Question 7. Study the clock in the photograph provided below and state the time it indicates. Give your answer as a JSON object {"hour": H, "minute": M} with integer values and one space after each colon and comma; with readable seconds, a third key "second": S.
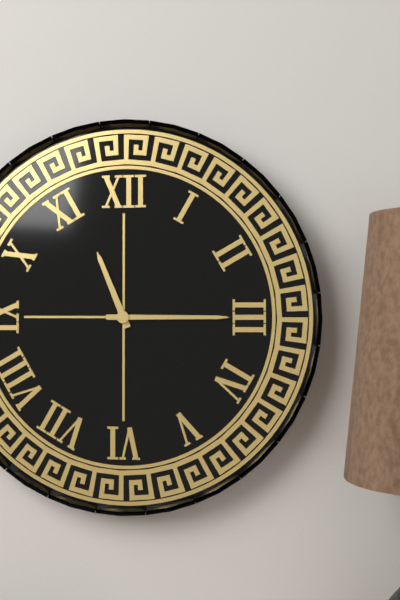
{"hour": 11, "minute": 15}
